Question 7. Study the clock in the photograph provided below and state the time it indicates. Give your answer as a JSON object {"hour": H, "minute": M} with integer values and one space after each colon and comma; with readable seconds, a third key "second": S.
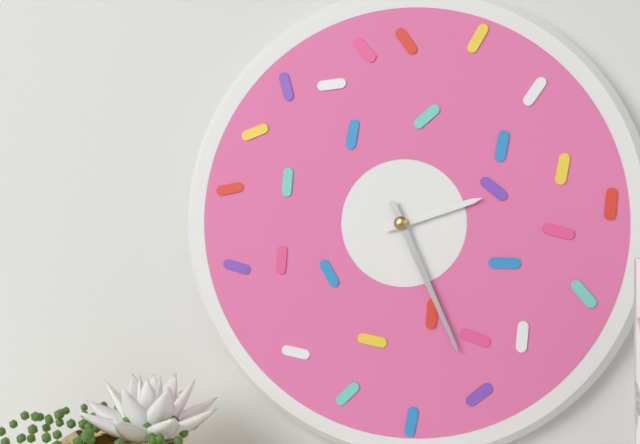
{"hour": 2, "minute": 26}
